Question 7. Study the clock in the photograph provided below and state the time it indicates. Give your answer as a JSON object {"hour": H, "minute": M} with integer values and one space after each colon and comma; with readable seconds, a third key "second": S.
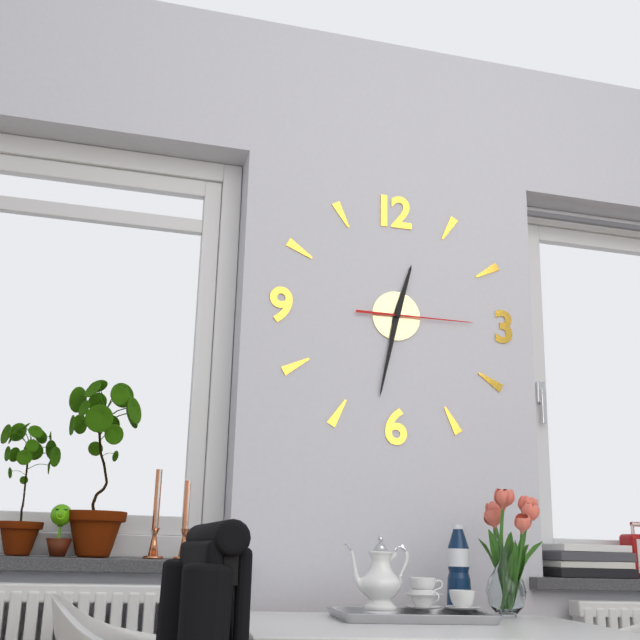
{"hour": 12, "minute": 32, "second": 15}
